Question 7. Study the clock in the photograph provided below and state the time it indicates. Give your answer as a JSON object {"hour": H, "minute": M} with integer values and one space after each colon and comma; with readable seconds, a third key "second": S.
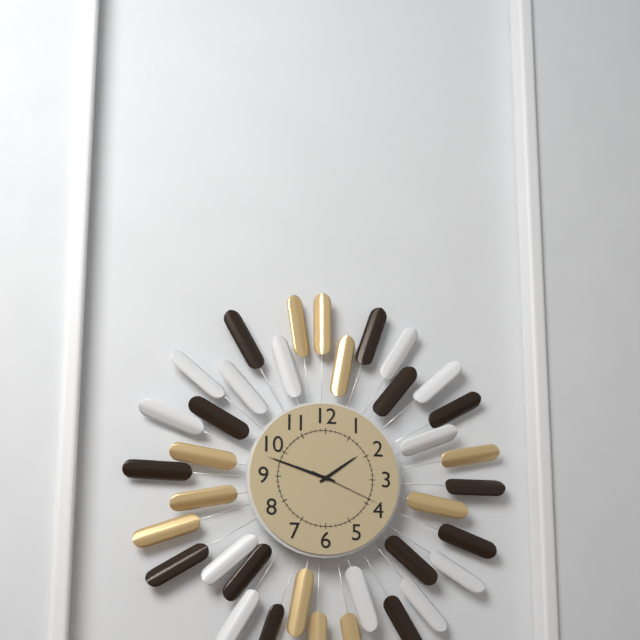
{"hour": 1, "minute": 48, "second": 19}
